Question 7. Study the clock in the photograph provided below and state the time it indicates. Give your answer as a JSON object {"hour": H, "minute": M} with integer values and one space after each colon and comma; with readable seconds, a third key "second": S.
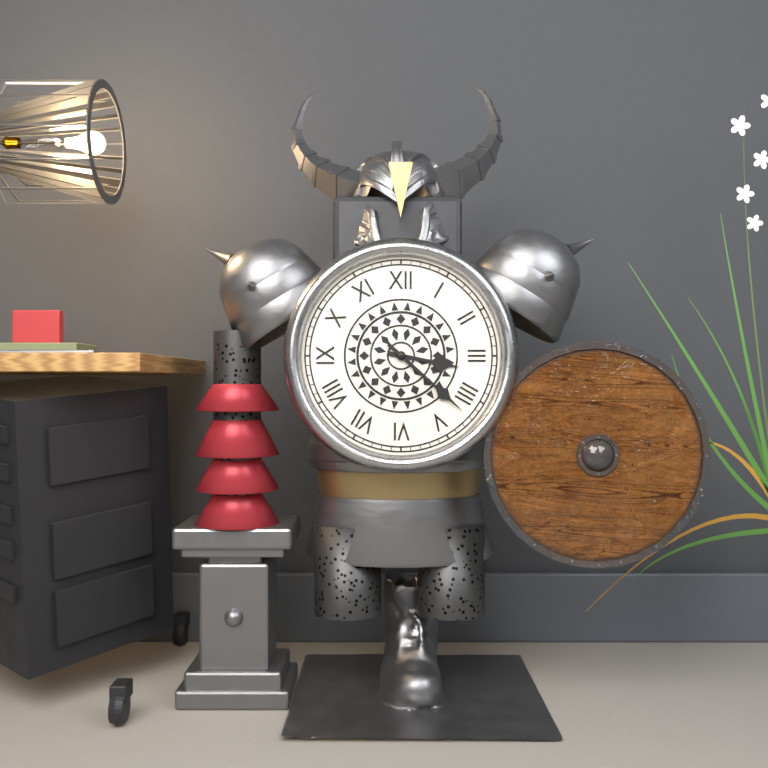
{"hour": 3, "minute": 22}
